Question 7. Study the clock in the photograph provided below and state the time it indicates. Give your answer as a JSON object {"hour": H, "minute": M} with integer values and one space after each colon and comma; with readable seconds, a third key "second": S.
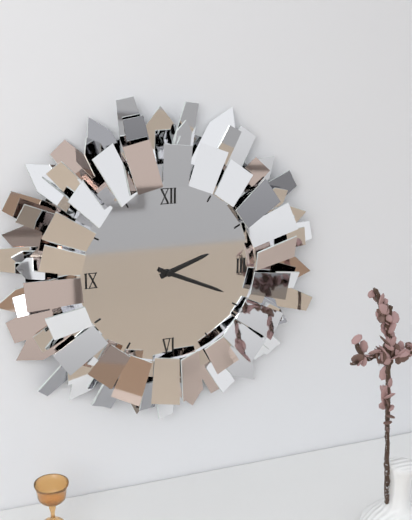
{"hour": 2, "minute": 19}
